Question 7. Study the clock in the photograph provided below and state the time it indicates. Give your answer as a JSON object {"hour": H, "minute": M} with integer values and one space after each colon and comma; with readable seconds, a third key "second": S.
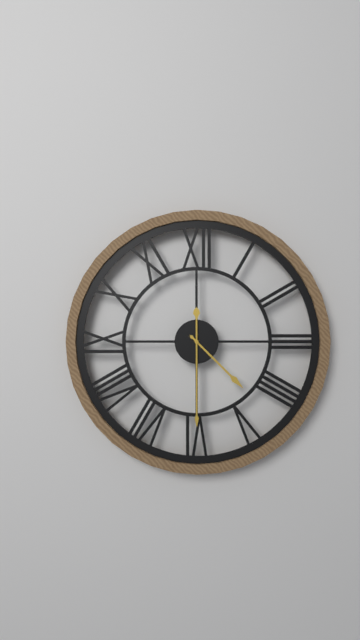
{"hour": 4, "minute": 30}
